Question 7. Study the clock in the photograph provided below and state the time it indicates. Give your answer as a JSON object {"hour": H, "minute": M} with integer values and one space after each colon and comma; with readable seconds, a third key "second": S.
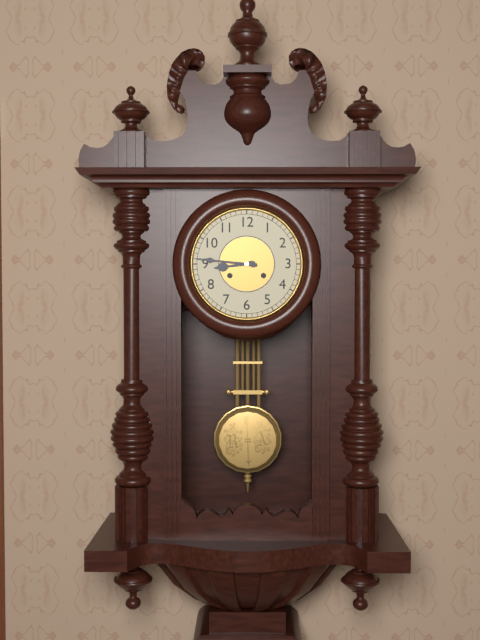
{"hour": 8, "minute": 46}
